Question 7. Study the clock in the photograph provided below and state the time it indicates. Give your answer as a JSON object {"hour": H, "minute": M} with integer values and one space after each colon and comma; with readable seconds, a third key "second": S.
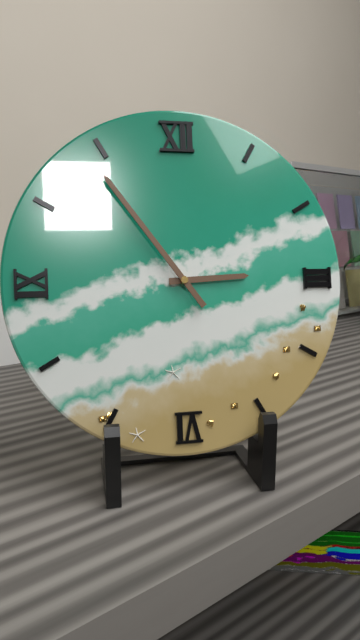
{"hour": 2, "minute": 54}
